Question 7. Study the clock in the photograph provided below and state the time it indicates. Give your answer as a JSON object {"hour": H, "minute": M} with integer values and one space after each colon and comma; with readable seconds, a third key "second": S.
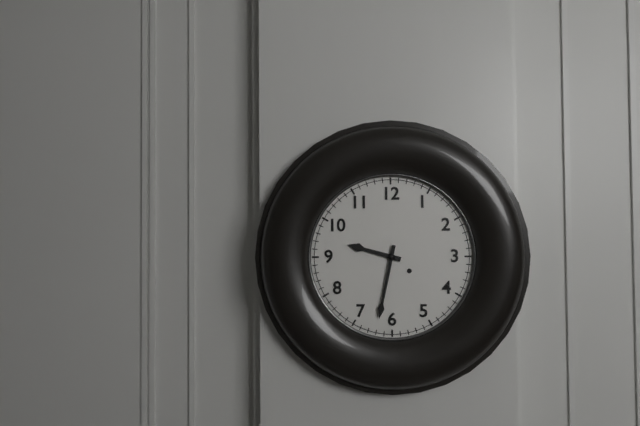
{"hour": 9, "minute": 32}
